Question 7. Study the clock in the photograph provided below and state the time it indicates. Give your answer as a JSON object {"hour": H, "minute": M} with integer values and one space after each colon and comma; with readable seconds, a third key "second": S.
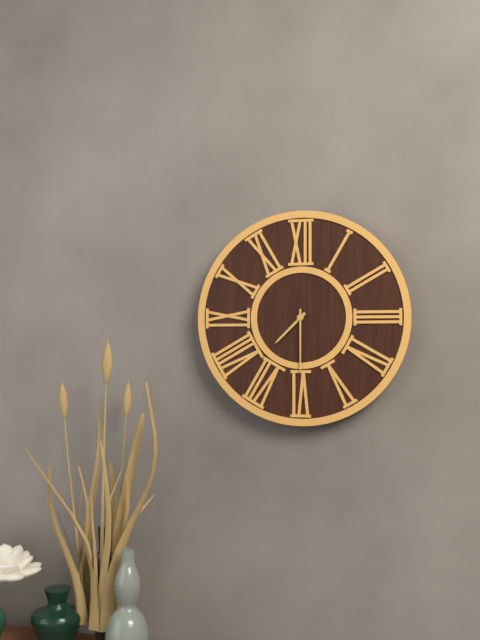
{"hour": 7, "minute": 30}
